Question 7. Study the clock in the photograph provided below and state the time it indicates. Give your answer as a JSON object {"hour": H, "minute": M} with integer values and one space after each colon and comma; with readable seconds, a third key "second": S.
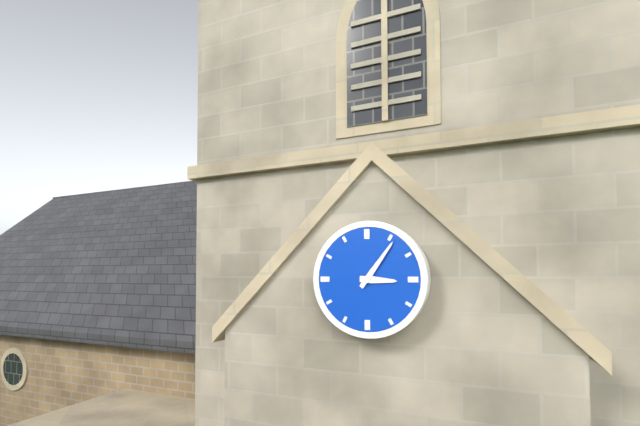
{"hour": 3, "minute": 6}
